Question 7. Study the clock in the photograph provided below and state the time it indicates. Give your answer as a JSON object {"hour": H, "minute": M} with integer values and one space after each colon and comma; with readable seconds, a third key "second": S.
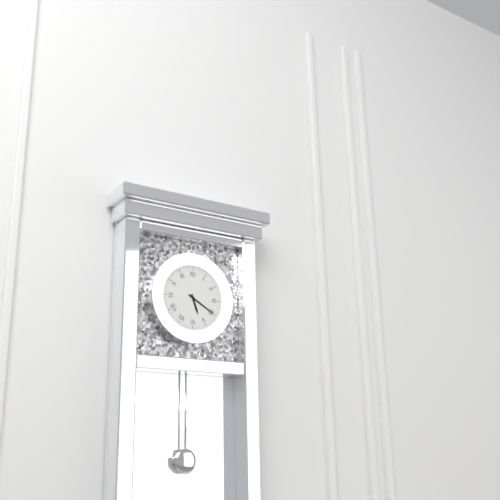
{"hour": 5, "minute": 20}
